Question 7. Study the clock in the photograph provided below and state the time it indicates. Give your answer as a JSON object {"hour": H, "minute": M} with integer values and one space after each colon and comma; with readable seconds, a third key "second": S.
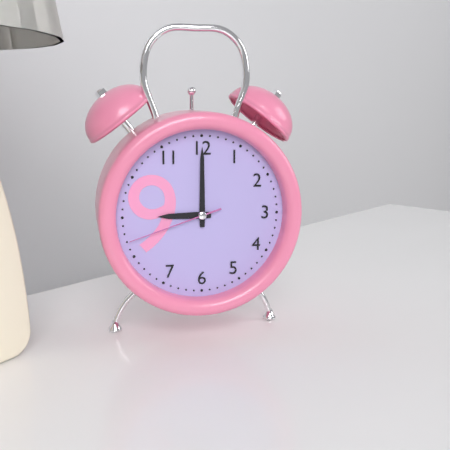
{"hour": 9, "minute": 0, "second": 42}
